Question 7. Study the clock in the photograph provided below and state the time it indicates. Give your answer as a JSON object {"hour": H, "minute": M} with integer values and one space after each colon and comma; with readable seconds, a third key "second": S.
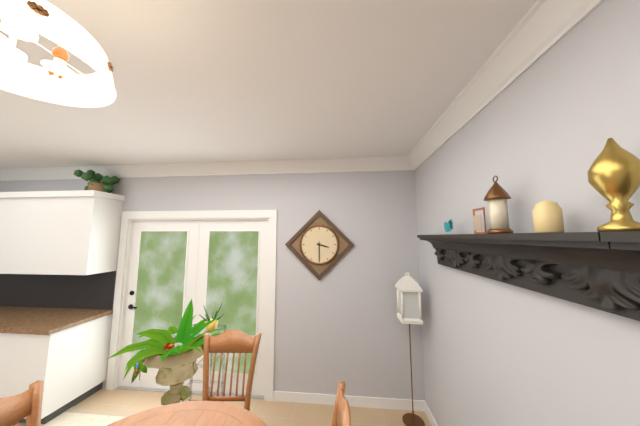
{"hour": 3, "minute": 30}
